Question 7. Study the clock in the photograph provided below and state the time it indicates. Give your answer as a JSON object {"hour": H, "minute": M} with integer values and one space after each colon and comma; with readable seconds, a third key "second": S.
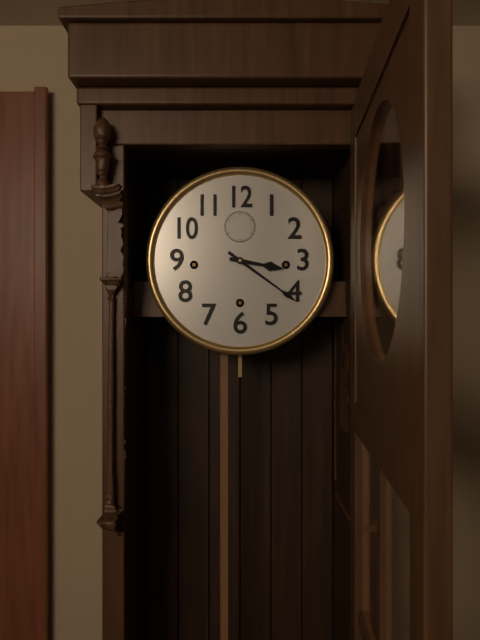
{"hour": 3, "minute": 21}
